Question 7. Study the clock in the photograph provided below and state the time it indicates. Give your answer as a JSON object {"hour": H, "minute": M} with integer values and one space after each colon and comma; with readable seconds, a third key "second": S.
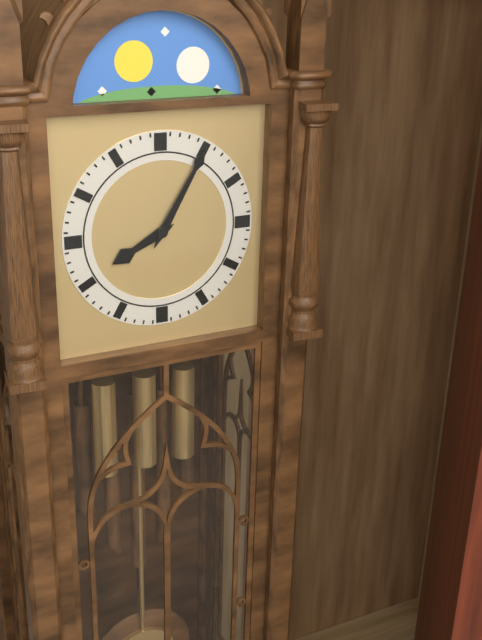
{"hour": 8, "minute": 5}
